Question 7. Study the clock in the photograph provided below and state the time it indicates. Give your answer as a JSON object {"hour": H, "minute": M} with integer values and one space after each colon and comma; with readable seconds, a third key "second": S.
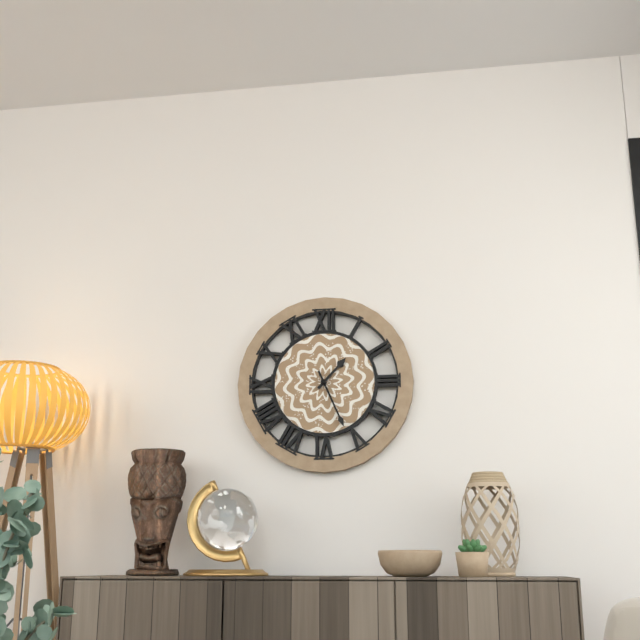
{"hour": 1, "minute": 26}
